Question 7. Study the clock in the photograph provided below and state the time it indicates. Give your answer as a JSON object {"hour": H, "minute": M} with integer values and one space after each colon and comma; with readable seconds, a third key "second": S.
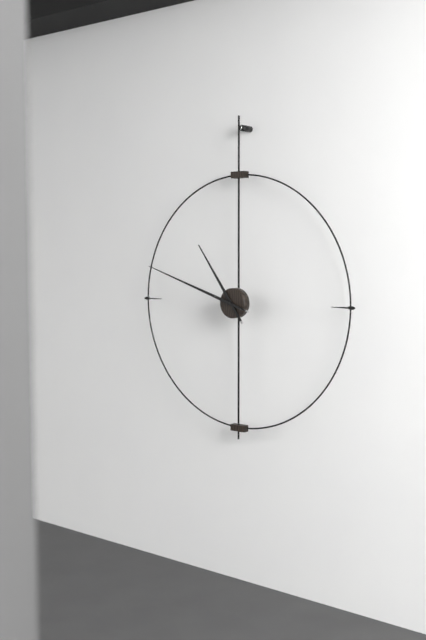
{"hour": 10, "minute": 48}
